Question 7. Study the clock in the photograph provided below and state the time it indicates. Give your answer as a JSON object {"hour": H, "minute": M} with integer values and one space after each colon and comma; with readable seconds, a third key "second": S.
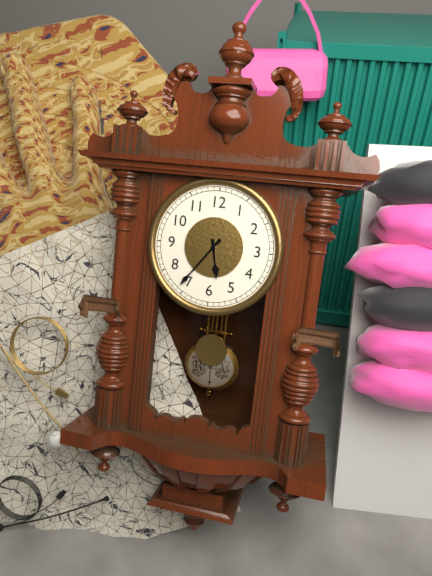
{"hour": 5, "minute": 36}
